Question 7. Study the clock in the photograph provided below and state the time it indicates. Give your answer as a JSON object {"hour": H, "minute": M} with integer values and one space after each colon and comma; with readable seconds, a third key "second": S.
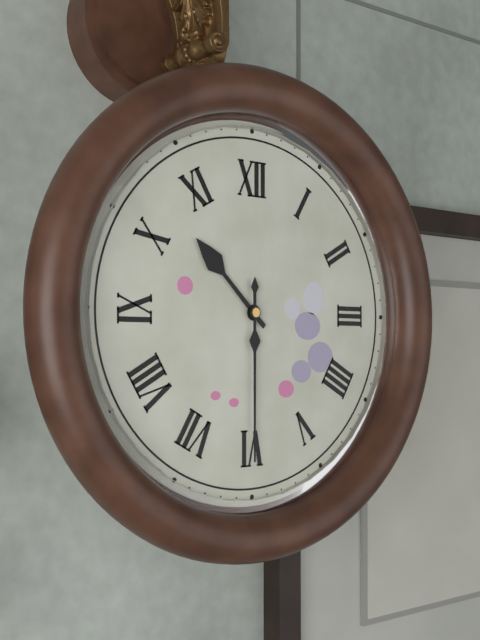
{"hour": 10, "minute": 30}
